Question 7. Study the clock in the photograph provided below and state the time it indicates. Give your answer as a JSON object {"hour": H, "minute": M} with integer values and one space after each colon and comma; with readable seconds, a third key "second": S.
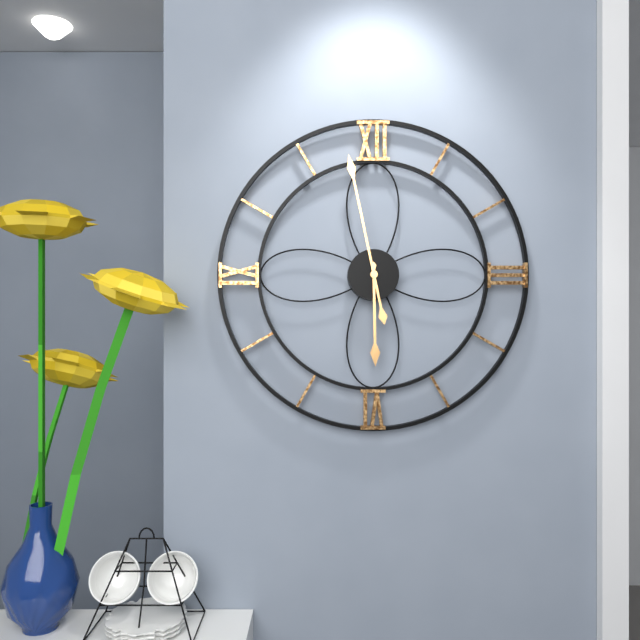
{"hour": 5, "minute": 58}
